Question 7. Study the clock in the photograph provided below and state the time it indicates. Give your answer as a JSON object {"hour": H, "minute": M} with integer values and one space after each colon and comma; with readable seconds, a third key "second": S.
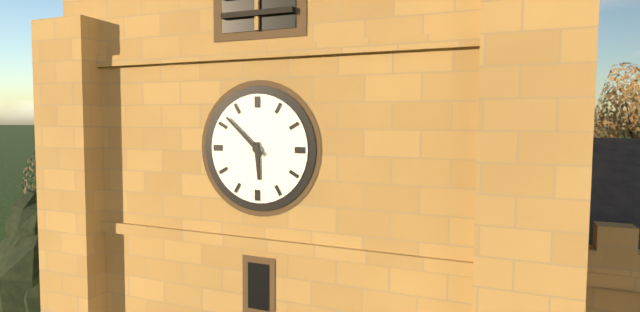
{"hour": 5, "minute": 52}
